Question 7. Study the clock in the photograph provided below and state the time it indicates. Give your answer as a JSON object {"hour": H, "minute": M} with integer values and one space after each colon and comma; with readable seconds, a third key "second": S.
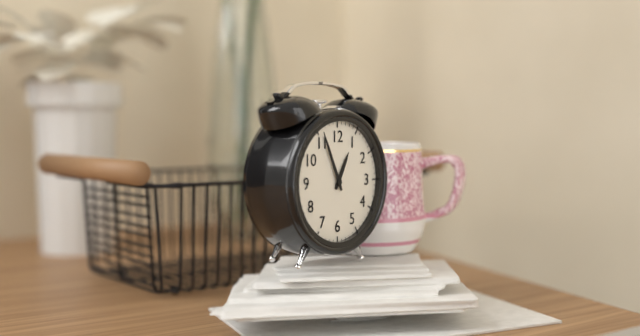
{"hour": 12, "minute": 56}
